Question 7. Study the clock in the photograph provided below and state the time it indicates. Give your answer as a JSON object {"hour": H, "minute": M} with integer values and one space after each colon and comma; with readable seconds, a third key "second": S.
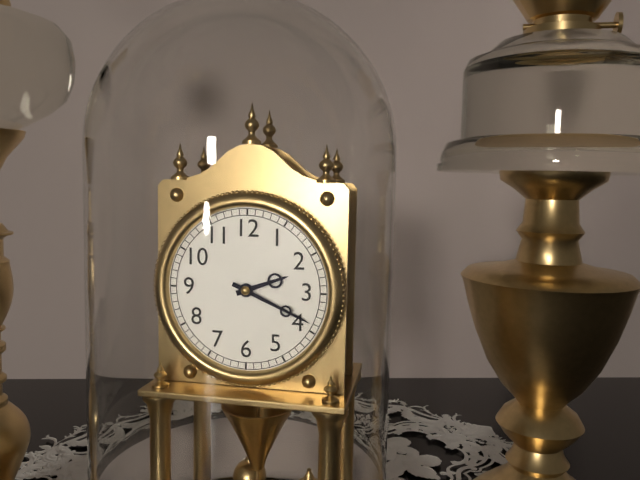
{"hour": 2, "minute": 19}
